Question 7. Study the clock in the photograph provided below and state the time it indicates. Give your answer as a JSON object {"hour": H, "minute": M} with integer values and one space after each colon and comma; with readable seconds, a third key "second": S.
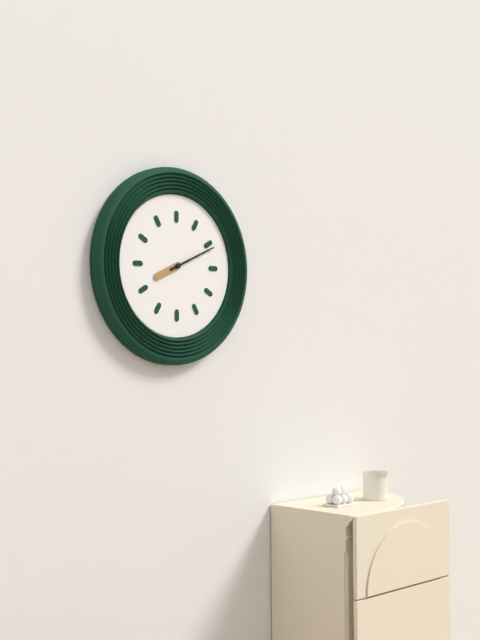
{"hour": 8, "minute": 11}
